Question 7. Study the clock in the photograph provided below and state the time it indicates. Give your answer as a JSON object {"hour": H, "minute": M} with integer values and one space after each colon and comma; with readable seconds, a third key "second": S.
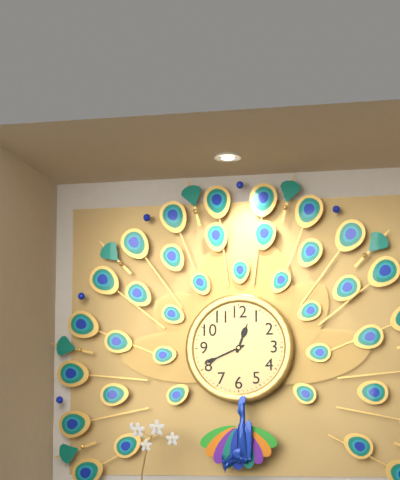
{"hour": 12, "minute": 41}
